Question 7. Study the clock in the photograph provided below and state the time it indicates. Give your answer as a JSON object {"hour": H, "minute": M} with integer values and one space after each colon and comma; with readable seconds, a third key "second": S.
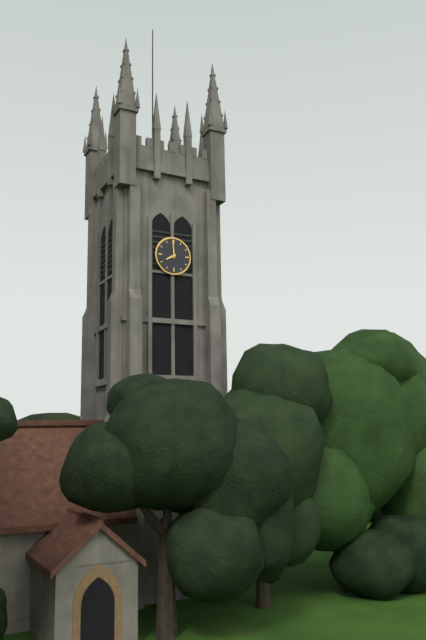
{"hour": 7, "minute": 59}
